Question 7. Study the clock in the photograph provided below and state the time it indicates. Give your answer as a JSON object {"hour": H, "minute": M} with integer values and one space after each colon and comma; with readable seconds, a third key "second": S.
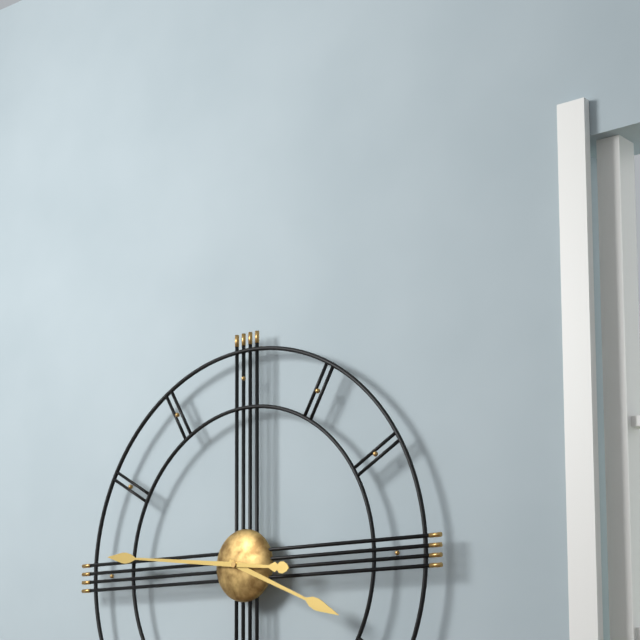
{"hour": 3, "minute": 46}
